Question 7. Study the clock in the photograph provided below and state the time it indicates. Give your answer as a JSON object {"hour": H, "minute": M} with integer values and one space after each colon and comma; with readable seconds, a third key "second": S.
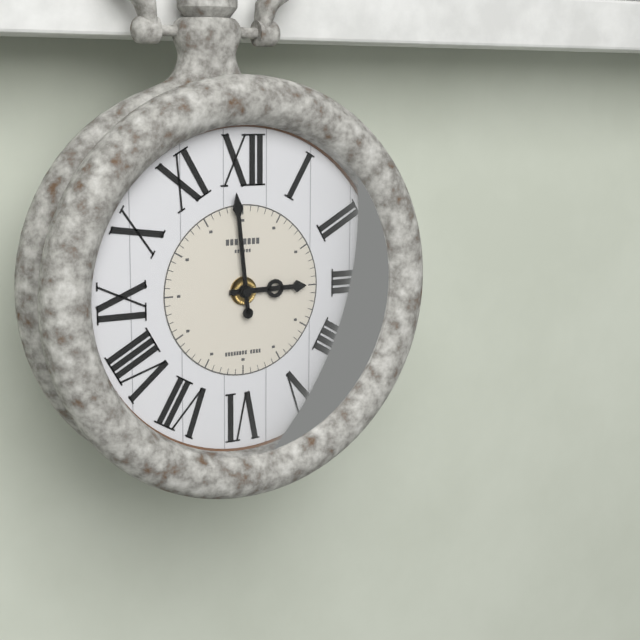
{"hour": 2, "minute": 59}
